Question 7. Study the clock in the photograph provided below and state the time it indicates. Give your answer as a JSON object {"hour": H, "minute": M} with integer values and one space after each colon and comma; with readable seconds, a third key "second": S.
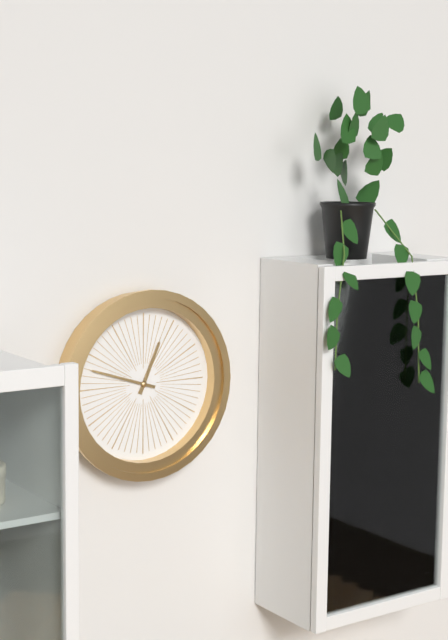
{"hour": 12, "minute": 48}
